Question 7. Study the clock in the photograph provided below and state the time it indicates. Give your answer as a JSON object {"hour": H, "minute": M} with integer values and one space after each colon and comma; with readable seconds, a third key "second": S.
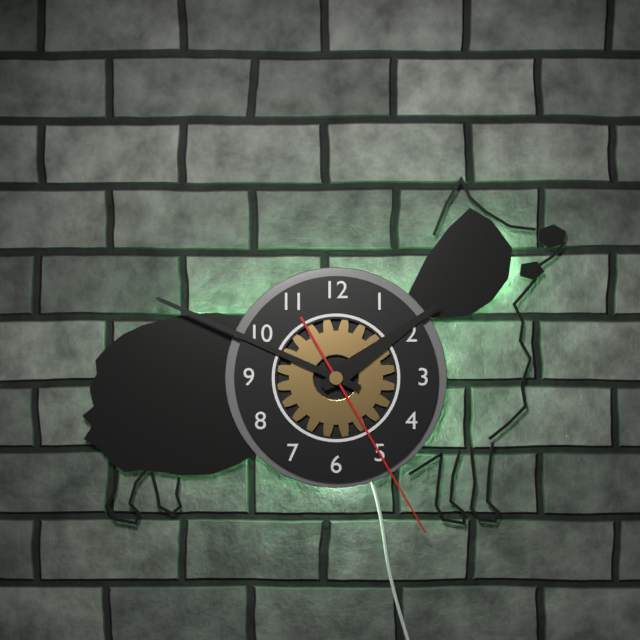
{"hour": 1, "minute": 49, "second": 25}
